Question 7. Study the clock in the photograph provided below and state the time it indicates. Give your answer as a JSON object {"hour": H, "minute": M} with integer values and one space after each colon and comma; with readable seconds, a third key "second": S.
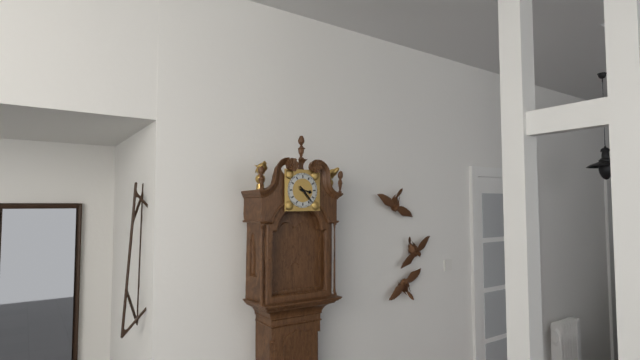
{"hour": 3, "minute": 23}
